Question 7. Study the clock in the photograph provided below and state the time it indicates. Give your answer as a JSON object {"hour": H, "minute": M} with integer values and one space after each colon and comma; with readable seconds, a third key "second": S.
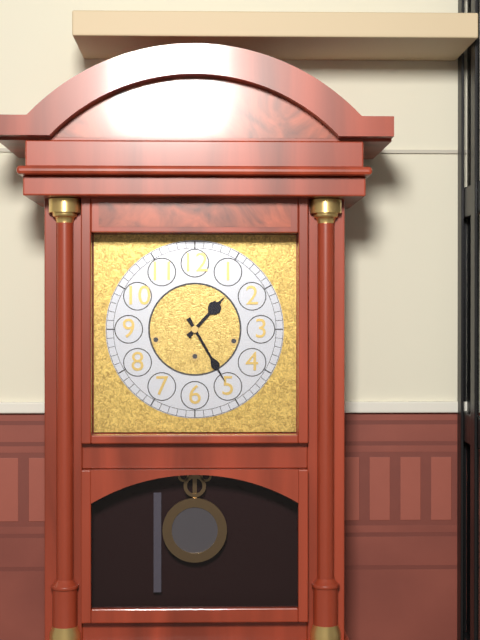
{"hour": 1, "minute": 25}
